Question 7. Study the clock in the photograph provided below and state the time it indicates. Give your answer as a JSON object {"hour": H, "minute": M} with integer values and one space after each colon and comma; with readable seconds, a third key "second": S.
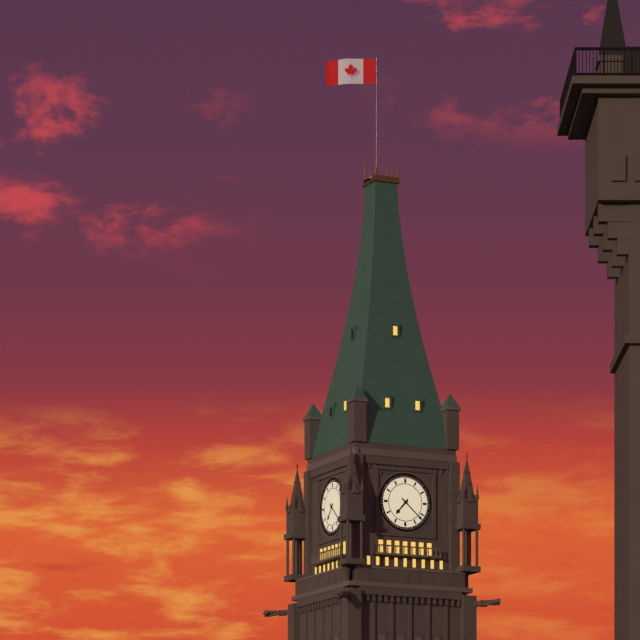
{"hour": 7, "minute": 22}
